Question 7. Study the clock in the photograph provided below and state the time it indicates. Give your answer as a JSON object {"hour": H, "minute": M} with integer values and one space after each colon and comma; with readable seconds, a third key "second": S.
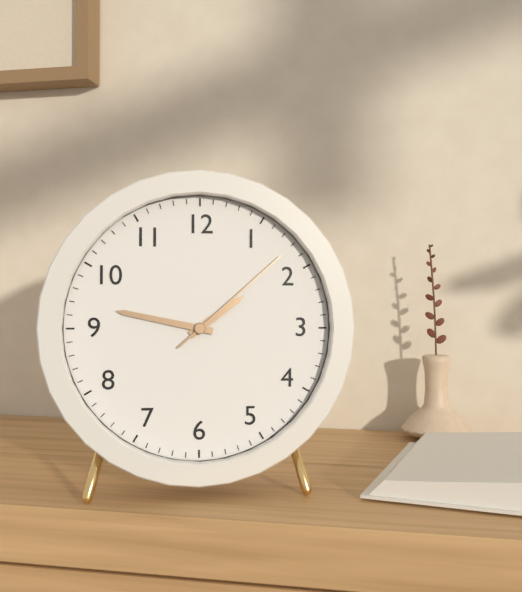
{"hour": 1, "minute": 47, "second": 8}
